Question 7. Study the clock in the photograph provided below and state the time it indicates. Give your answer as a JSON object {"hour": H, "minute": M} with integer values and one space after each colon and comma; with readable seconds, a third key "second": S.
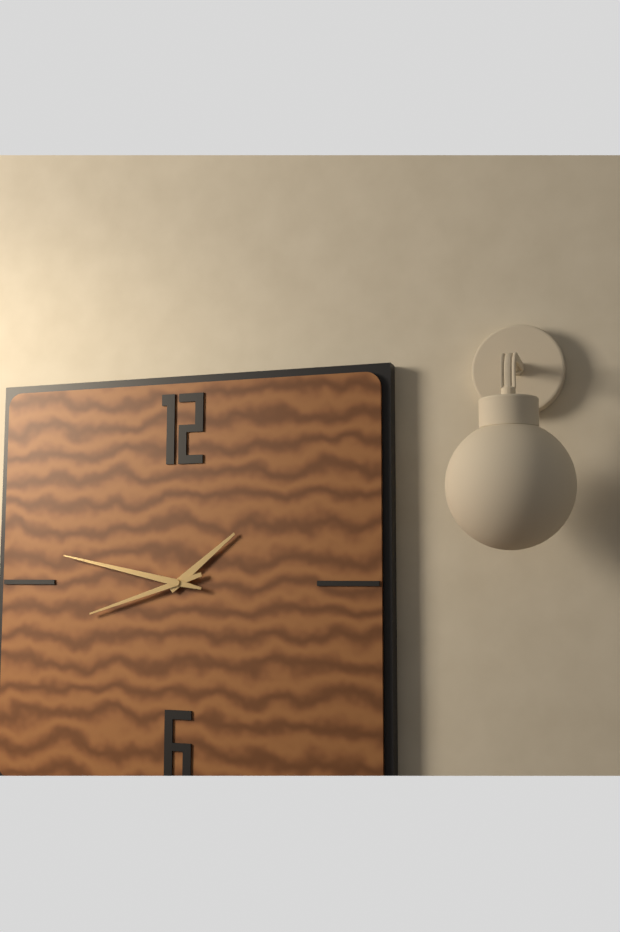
{"hour": 1, "minute": 42, "second": 47}
